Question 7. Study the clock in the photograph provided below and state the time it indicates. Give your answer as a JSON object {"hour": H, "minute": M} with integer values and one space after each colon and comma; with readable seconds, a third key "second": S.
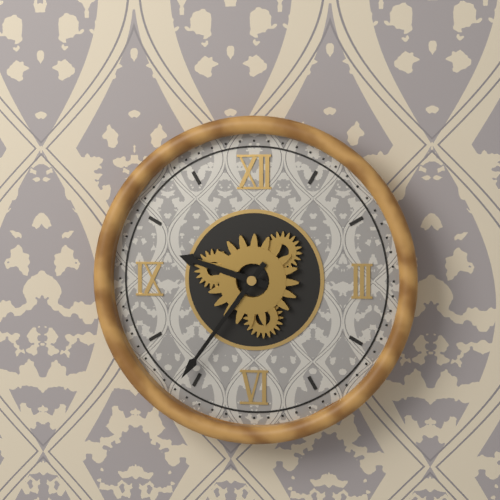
{"hour": 9, "minute": 36}
